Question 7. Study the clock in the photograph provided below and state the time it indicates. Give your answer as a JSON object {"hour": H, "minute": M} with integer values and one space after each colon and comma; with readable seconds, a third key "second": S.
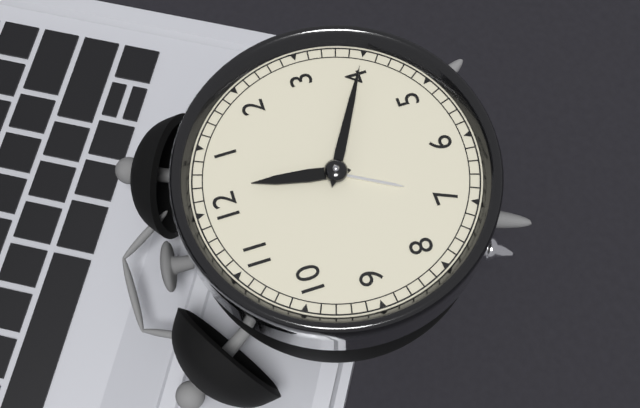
{"hour": 12, "minute": 20}
